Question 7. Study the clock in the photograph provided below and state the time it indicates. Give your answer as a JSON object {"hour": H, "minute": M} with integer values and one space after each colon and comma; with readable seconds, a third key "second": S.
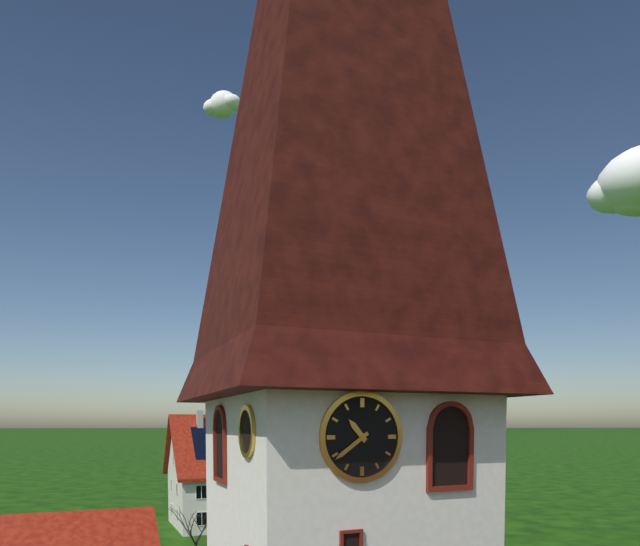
{"hour": 10, "minute": 39}
